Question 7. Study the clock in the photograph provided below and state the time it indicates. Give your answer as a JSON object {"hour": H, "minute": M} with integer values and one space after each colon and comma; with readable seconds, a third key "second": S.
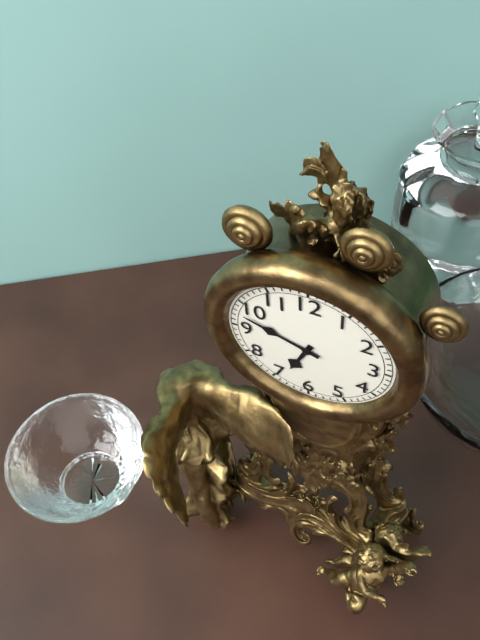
{"hour": 6, "minute": 48}
